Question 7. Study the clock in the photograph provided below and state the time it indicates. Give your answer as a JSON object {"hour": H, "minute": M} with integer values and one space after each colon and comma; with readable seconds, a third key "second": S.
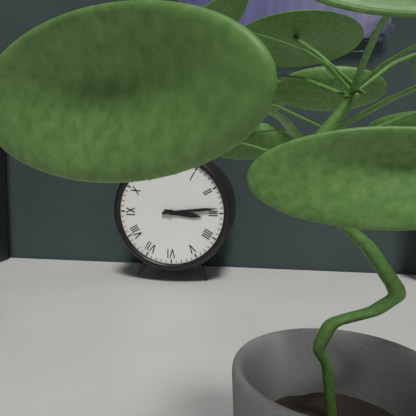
{"hour": 3, "minute": 14}
